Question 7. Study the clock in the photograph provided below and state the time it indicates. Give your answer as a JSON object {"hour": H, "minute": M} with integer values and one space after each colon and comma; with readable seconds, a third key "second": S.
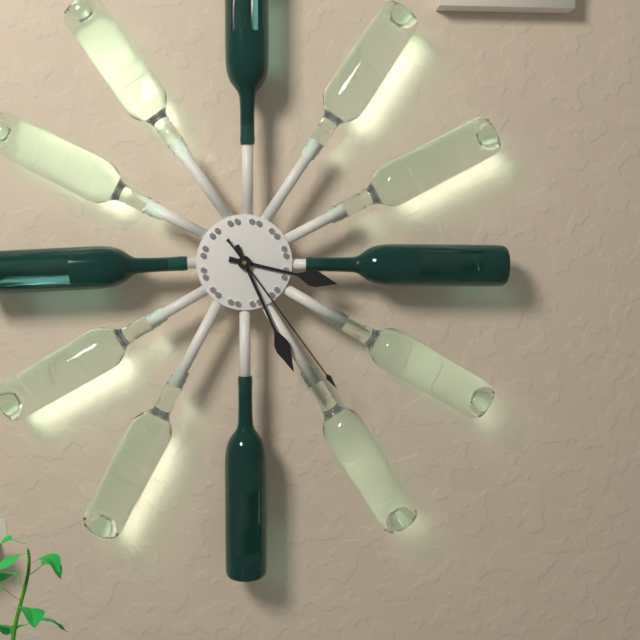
{"hour": 3, "minute": 26, "second": 24}
